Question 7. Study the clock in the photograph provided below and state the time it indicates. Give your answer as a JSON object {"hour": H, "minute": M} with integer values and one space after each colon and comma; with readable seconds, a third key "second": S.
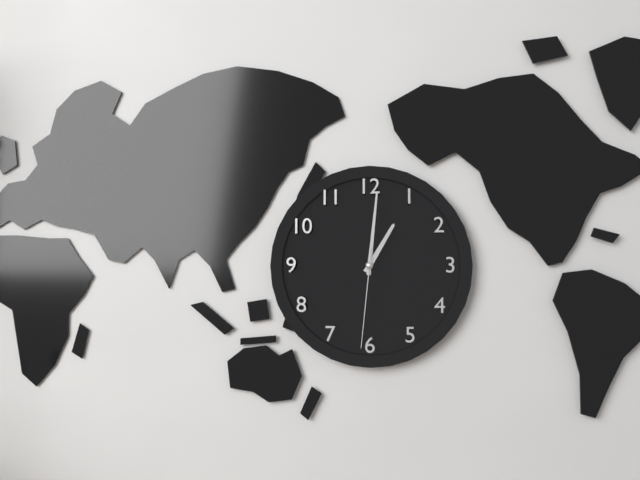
{"hour": 1, "minute": 1, "second": 31}
